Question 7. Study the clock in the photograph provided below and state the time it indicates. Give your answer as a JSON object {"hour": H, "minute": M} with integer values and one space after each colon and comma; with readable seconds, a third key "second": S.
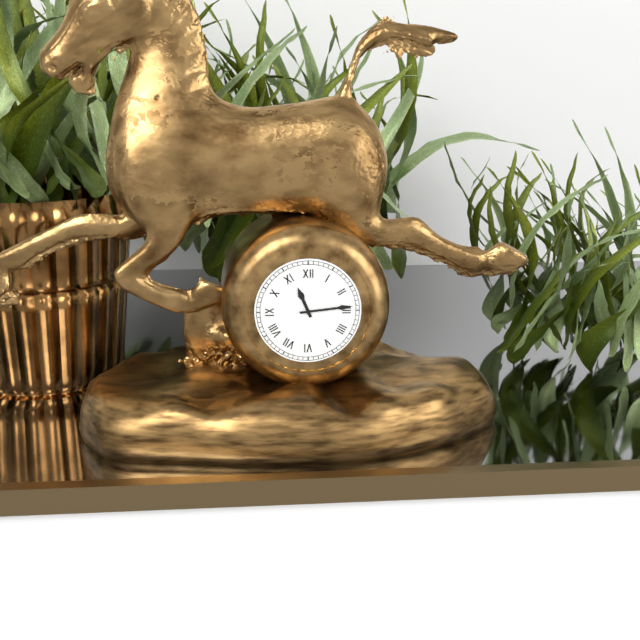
{"hour": 11, "minute": 14}
